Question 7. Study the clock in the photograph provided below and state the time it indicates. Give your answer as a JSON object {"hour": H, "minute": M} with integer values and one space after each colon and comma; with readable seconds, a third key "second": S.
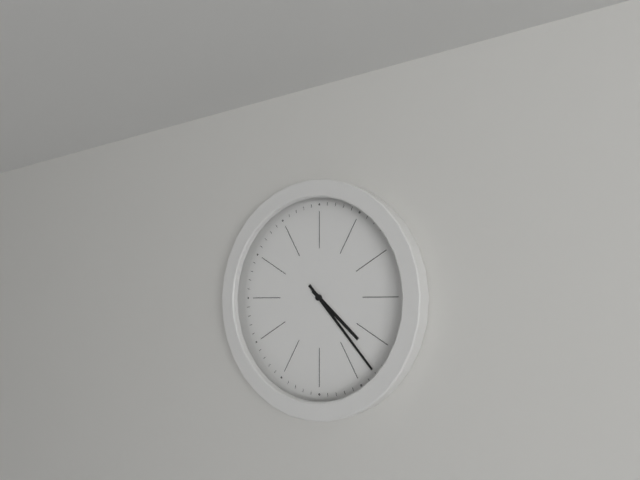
{"hour": 4, "minute": 23}
